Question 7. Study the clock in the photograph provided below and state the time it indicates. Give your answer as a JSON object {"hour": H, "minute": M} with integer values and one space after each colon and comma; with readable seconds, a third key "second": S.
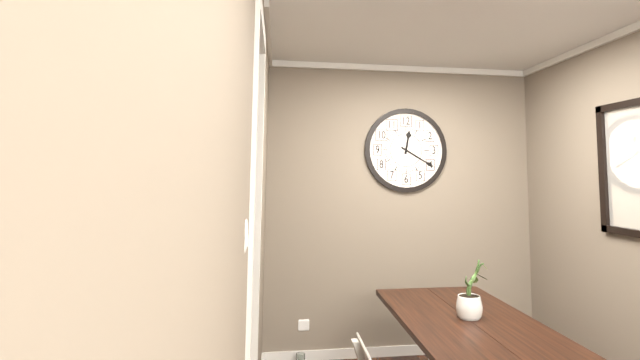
{"hour": 12, "minute": 20}
